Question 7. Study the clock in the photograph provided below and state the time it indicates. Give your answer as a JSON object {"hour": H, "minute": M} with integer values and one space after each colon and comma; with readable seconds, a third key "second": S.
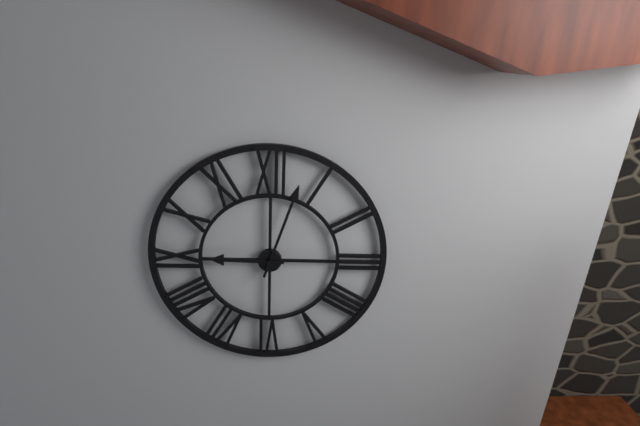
{"hour": 9, "minute": 3}
